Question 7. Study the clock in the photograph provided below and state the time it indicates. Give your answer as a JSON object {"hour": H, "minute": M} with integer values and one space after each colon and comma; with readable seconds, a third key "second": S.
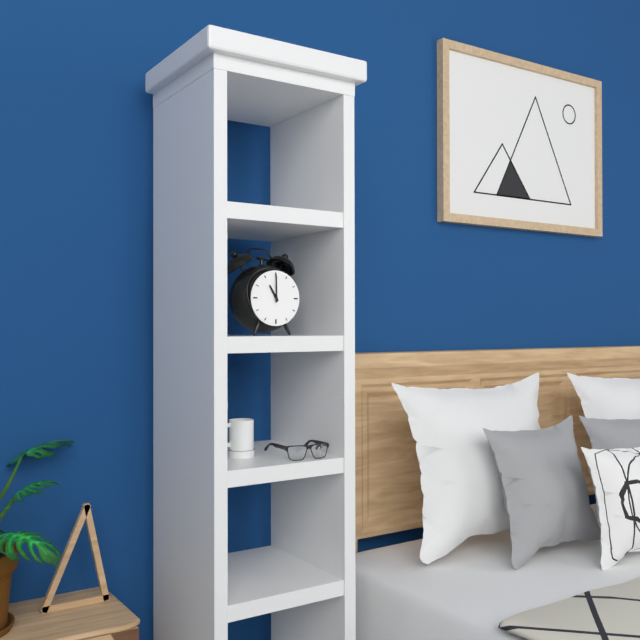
{"hour": 11, "minute": 0}
